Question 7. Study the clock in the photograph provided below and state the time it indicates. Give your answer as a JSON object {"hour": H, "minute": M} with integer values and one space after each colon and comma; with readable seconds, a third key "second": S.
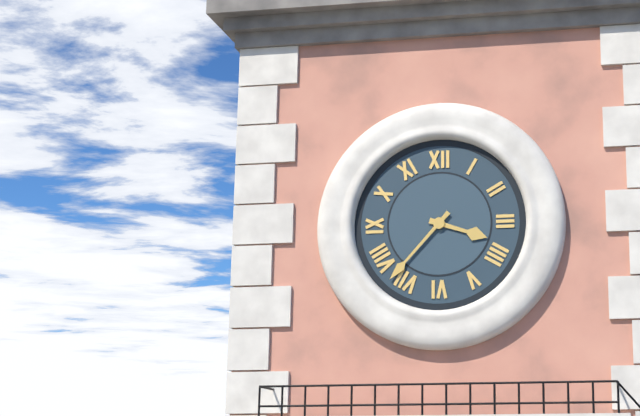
{"hour": 3, "minute": 37}
